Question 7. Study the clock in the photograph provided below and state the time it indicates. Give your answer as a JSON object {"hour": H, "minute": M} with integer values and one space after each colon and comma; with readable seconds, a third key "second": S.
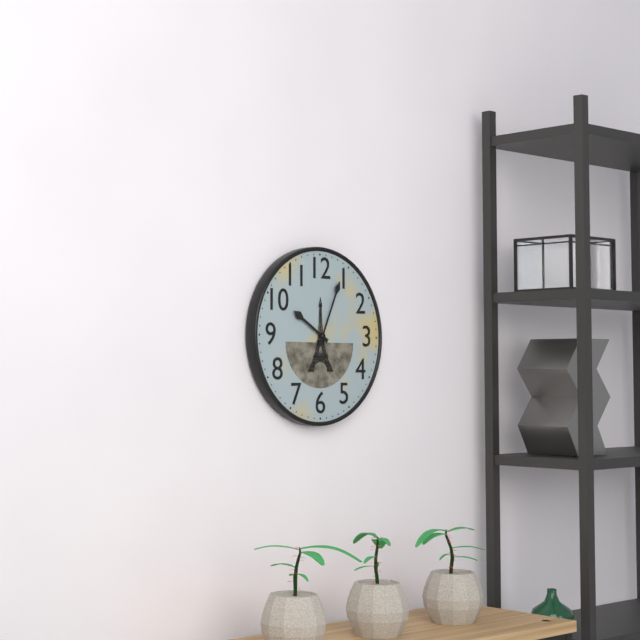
{"hour": 10, "minute": 4}
